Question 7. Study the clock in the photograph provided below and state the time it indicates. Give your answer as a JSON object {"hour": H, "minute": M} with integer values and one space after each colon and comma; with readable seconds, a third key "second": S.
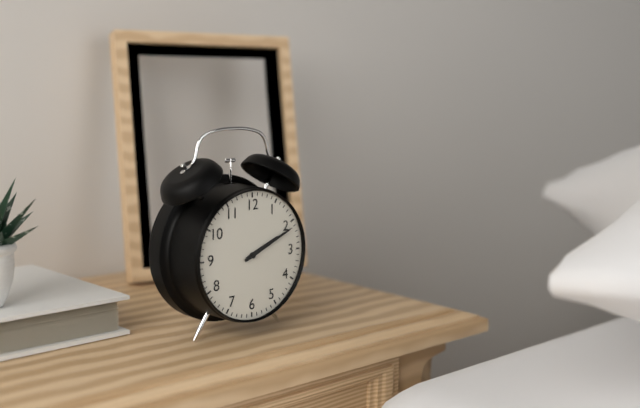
{"hour": 2, "minute": 11}
